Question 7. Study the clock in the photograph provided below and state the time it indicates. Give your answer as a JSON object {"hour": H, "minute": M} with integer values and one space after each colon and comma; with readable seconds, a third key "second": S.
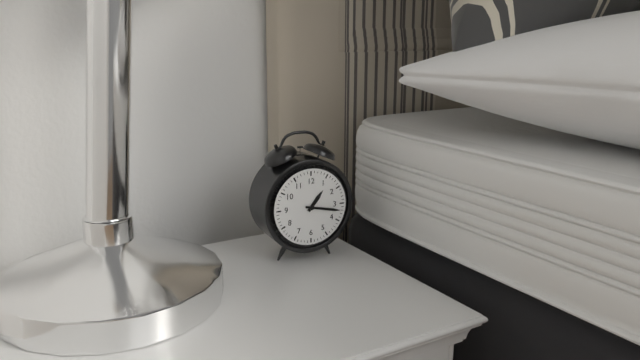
{"hour": 1, "minute": 17}
